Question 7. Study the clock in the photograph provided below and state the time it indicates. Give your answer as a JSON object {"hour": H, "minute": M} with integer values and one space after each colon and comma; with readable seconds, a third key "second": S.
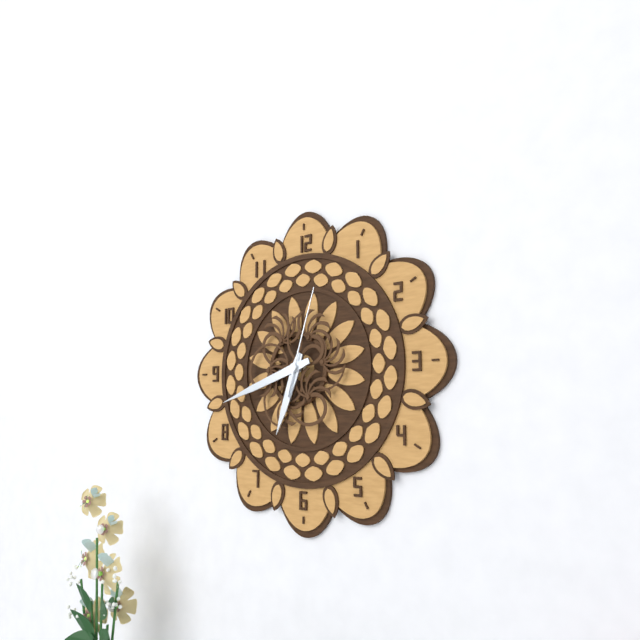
{"hour": 6, "minute": 42, "second": 3}
